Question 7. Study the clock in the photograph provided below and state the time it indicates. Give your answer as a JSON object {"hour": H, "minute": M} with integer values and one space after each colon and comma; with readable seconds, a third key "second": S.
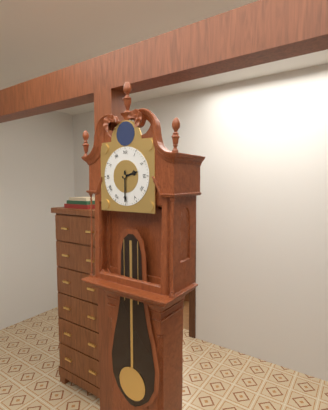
{"hour": 2, "minute": 30}
